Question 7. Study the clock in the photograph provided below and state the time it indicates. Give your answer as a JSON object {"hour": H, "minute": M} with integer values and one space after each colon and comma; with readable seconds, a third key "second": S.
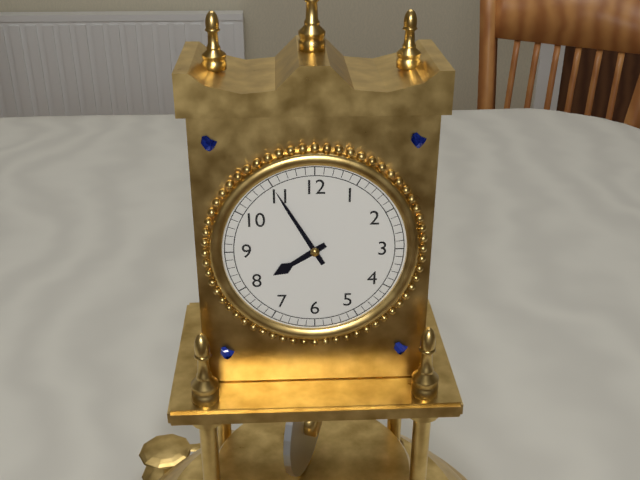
{"hour": 7, "minute": 55}
